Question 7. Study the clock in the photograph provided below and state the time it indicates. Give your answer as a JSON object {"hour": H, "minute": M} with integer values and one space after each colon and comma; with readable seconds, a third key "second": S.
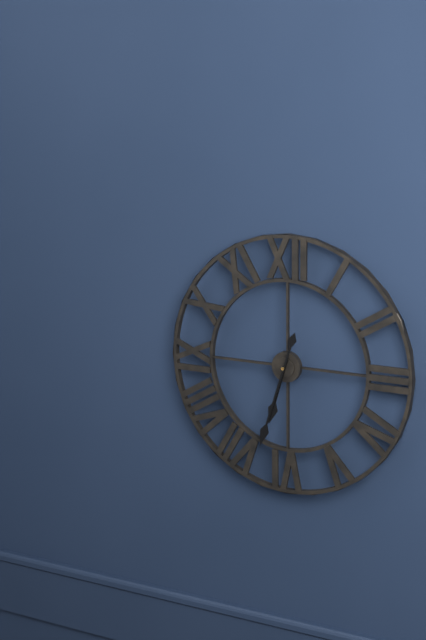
{"hour": 6, "minute": 33}
